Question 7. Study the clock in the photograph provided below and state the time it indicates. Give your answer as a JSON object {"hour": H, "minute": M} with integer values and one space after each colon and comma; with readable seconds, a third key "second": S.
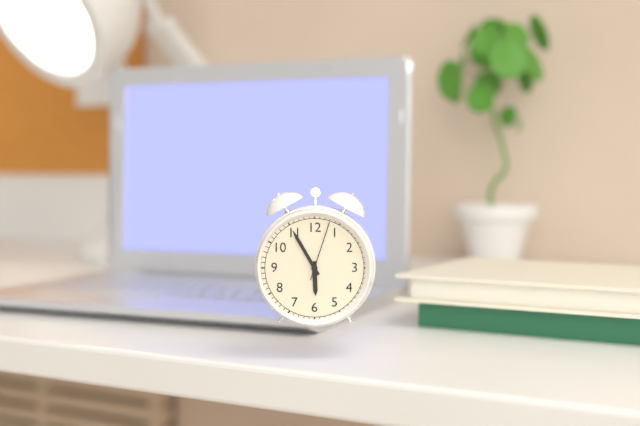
{"hour": 5, "minute": 55, "second": 3}
